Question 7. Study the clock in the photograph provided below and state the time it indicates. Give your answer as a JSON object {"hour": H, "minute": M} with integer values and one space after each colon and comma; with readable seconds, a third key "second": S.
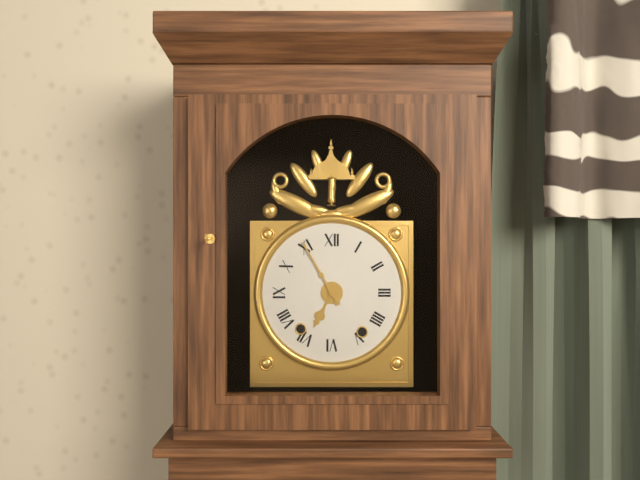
{"hour": 6, "minute": 55}
